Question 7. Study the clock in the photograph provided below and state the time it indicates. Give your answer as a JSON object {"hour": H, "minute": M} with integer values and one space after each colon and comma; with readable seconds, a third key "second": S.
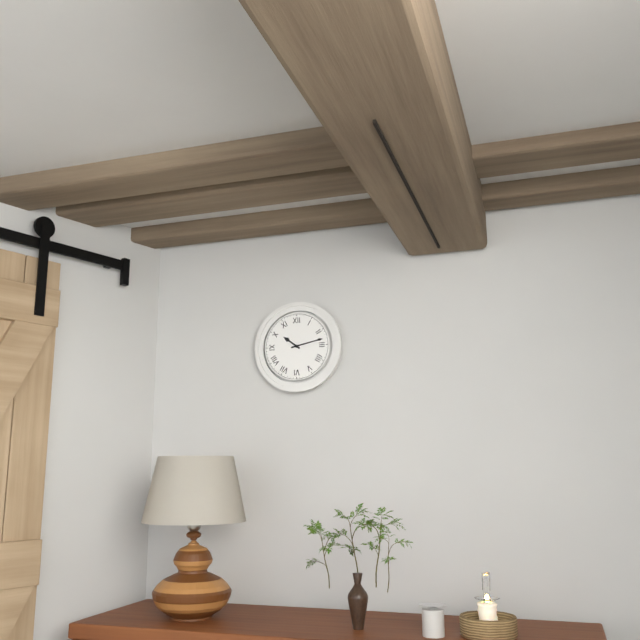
{"hour": 10, "minute": 13}
